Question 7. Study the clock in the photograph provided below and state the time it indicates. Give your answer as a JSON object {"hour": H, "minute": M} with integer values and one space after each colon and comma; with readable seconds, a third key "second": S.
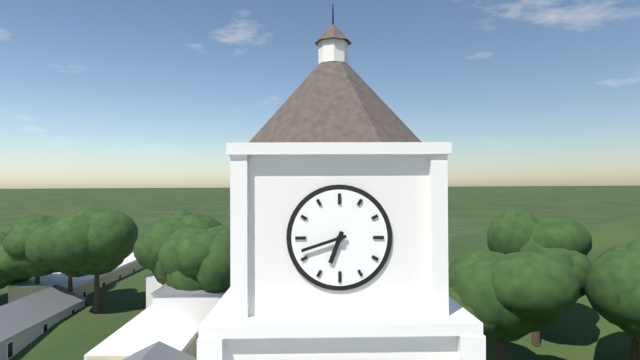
{"hour": 6, "minute": 42}
